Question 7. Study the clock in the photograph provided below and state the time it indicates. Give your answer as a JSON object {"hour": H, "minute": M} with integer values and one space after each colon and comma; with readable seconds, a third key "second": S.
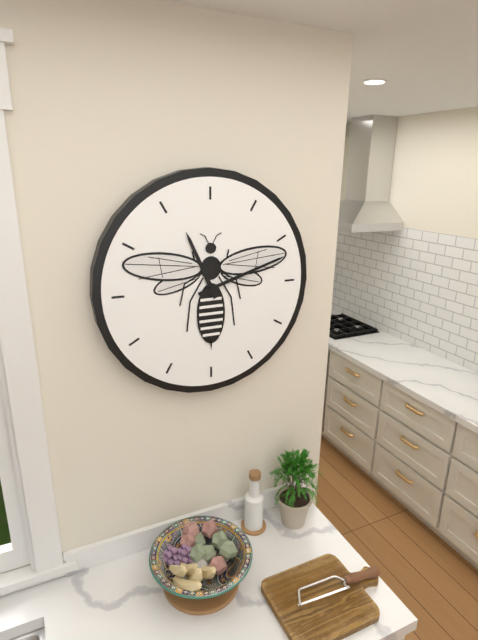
{"hour": 11, "minute": 12}
